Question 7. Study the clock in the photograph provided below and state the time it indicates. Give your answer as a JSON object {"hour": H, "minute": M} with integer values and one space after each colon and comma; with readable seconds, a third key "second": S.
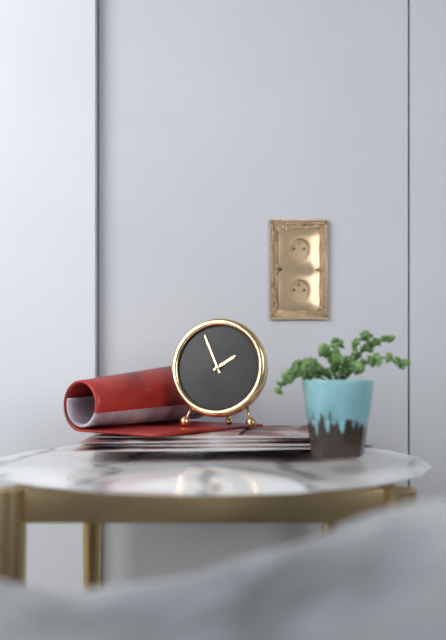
{"hour": 1, "minute": 56}
